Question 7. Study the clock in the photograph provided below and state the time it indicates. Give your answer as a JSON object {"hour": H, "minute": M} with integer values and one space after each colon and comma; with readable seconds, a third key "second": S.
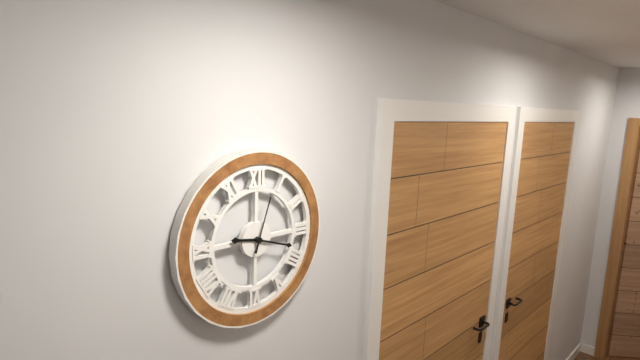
{"hour": 9, "minute": 18, "second": 3}
